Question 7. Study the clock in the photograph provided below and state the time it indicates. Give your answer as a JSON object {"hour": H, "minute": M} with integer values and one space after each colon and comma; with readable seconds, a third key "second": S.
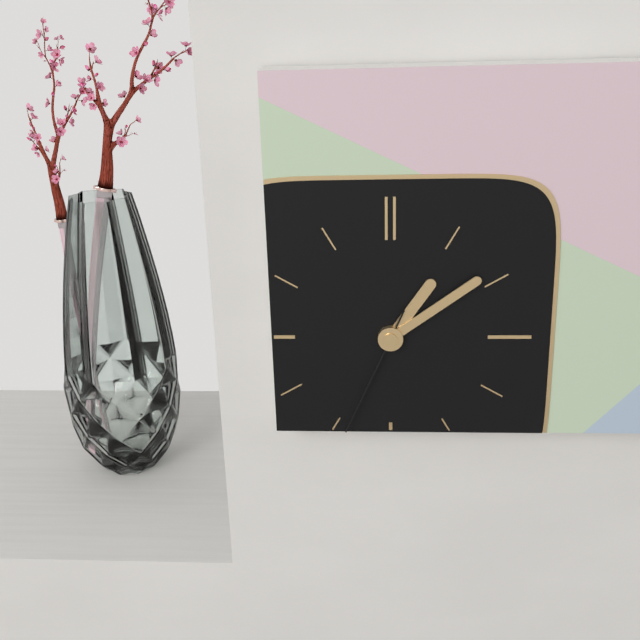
{"hour": 1, "minute": 9, "second": 34}
